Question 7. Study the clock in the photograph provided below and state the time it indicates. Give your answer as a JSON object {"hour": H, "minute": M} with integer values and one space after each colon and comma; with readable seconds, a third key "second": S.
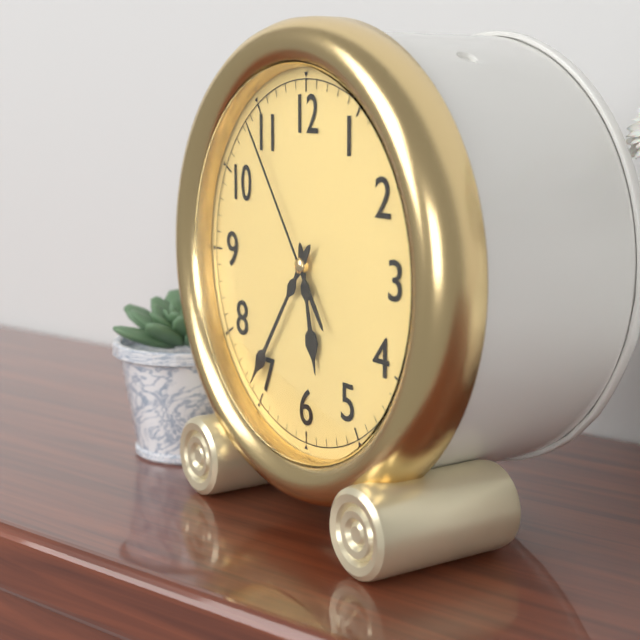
{"hour": 5, "minute": 36, "second": 54}
